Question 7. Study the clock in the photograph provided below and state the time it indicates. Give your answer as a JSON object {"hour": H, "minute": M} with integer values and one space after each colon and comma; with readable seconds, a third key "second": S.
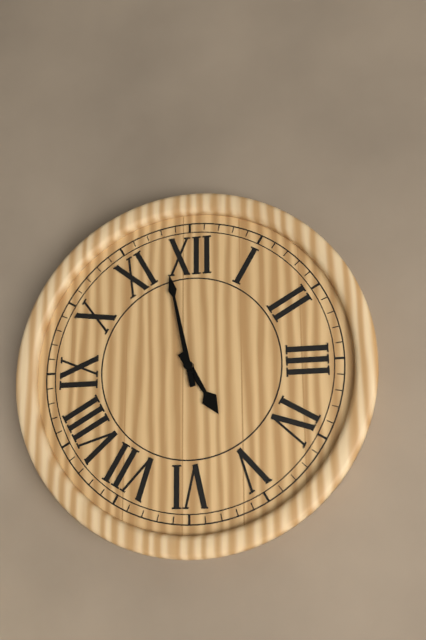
{"hour": 4, "minute": 58}
